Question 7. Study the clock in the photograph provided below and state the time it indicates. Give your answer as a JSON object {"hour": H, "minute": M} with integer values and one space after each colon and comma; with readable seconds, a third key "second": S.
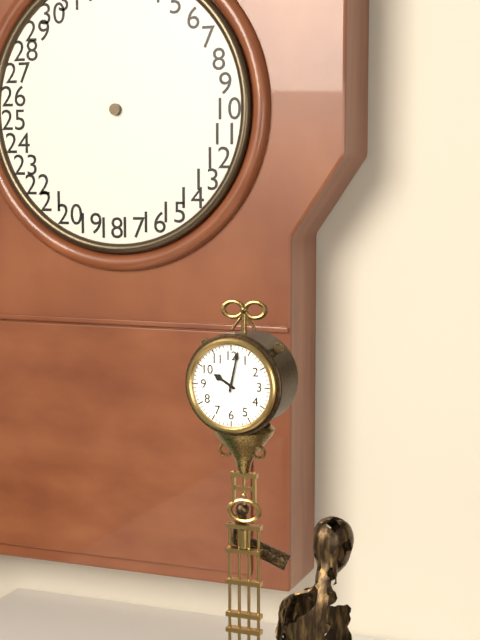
{"hour": 10, "minute": 2}
